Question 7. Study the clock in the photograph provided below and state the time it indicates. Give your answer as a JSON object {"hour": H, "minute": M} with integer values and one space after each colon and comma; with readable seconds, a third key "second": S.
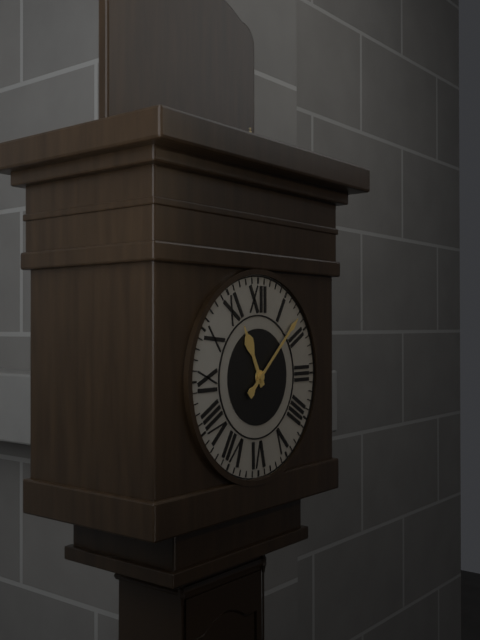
{"hour": 11, "minute": 8}
